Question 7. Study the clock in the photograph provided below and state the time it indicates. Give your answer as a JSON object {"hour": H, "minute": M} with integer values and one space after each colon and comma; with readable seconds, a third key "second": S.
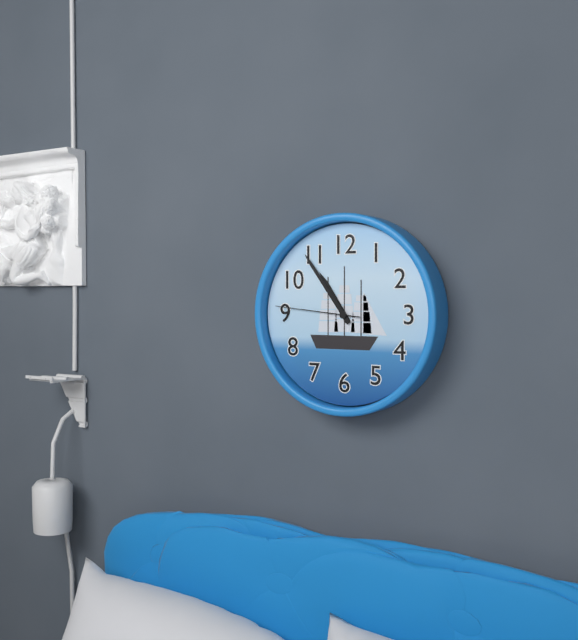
{"hour": 10, "minute": 54, "second": 46}
